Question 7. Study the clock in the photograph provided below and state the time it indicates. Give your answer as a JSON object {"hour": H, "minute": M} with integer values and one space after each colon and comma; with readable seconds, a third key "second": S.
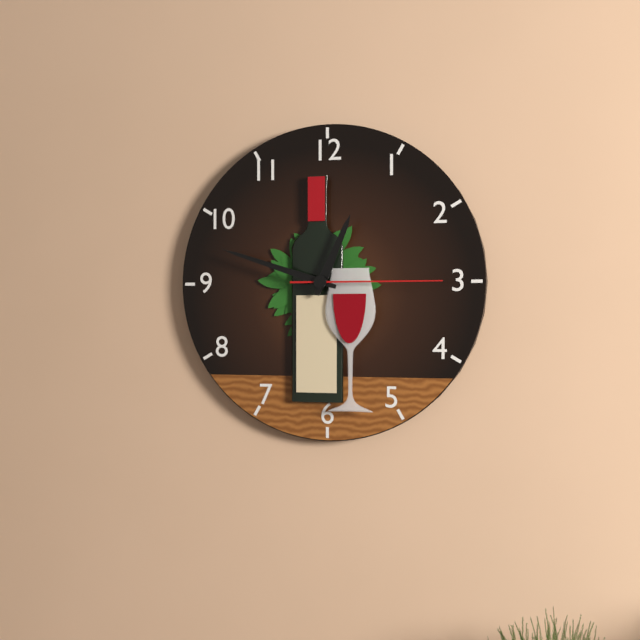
{"hour": 12, "minute": 48, "second": 15}
